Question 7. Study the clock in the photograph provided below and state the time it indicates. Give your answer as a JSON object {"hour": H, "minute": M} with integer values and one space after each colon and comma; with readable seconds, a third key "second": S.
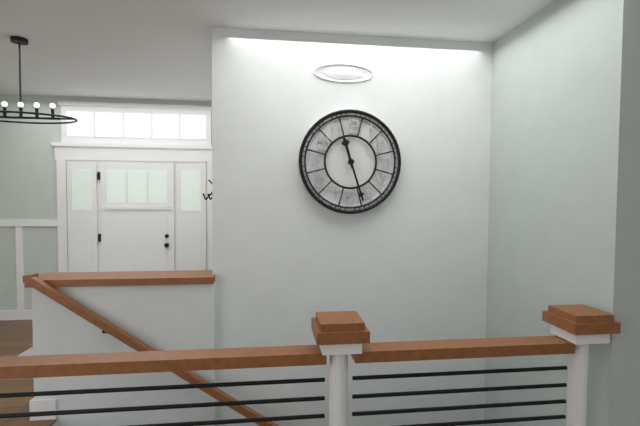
{"hour": 11, "minute": 27}
